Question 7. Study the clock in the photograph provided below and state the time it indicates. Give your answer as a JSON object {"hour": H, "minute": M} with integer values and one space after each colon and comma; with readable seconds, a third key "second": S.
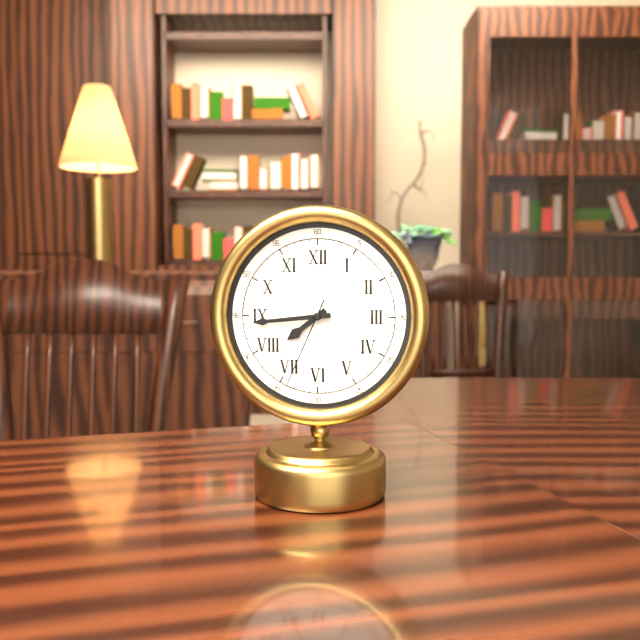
{"hour": 7, "minute": 44, "second": 34}
